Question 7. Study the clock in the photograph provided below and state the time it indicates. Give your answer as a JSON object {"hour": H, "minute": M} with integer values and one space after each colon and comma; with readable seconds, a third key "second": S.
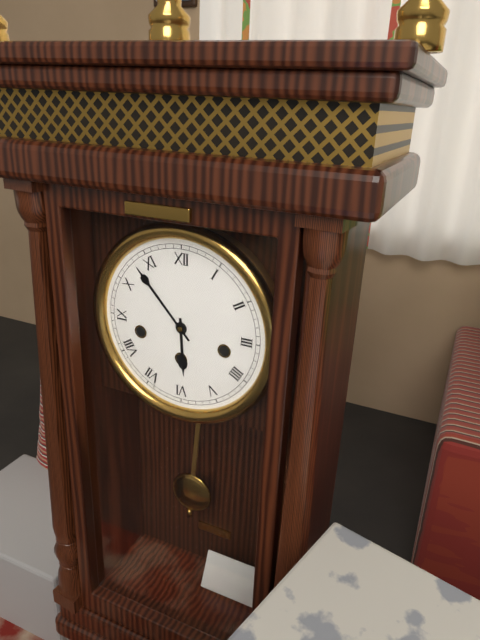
{"hour": 5, "minute": 53}
